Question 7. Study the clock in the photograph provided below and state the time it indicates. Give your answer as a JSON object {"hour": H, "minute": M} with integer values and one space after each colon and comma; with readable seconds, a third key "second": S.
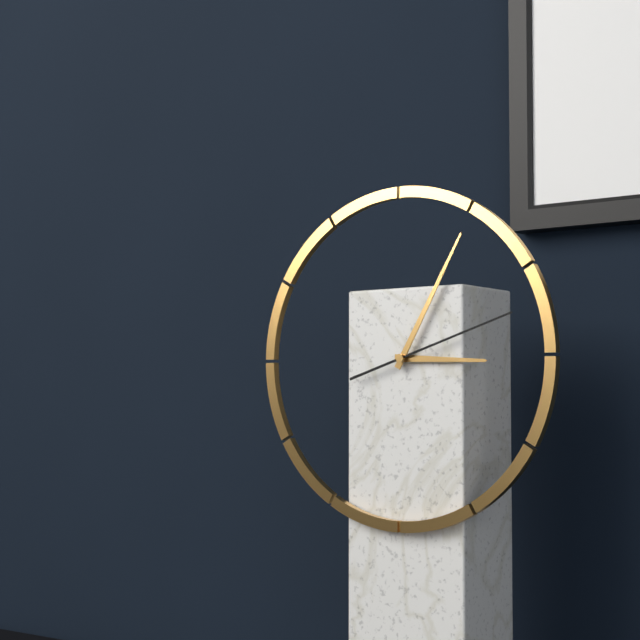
{"hour": 3, "minute": 5, "second": 12}
